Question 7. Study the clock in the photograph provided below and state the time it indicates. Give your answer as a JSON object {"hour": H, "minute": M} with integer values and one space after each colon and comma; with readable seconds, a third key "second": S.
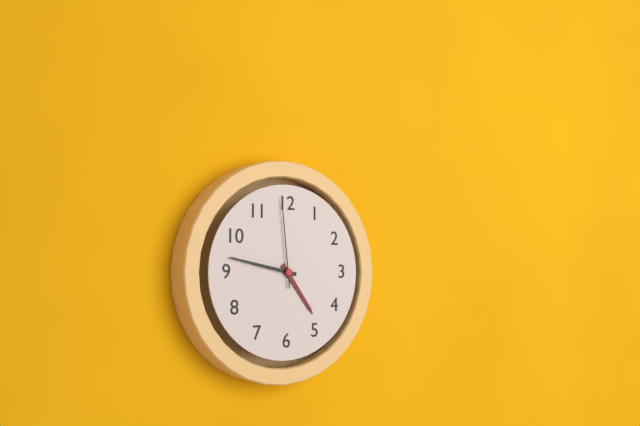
{"hour": 4, "minute": 47, "second": 59}
